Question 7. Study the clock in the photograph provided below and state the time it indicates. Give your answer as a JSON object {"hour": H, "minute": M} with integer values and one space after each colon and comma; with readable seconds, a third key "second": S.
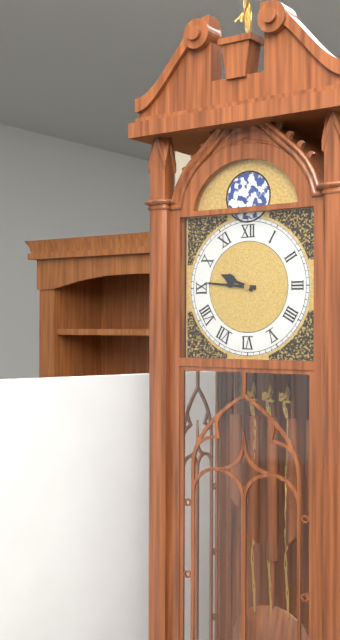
{"hour": 9, "minute": 46}
